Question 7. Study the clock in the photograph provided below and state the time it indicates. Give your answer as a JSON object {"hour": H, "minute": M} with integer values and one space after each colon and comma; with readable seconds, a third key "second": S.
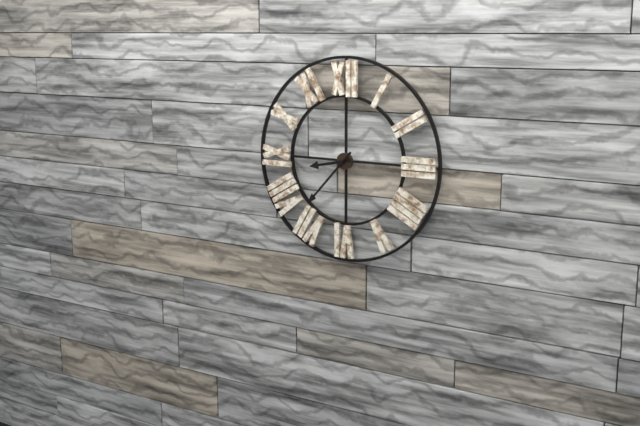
{"hour": 8, "minute": 37}
